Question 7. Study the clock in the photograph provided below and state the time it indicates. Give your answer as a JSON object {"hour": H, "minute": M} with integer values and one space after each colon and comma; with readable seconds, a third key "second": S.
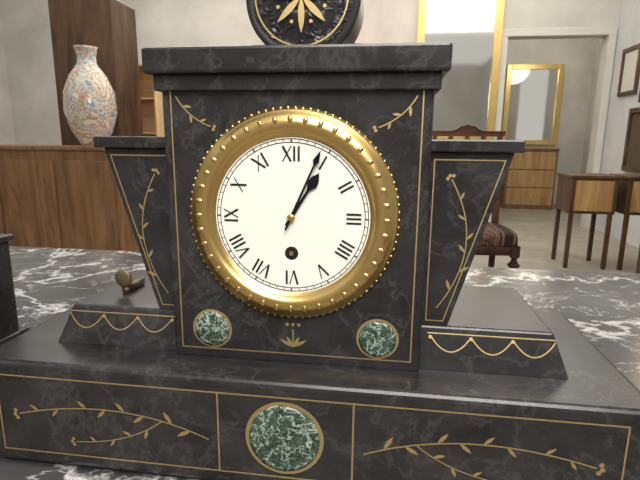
{"hour": 1, "minute": 4}
